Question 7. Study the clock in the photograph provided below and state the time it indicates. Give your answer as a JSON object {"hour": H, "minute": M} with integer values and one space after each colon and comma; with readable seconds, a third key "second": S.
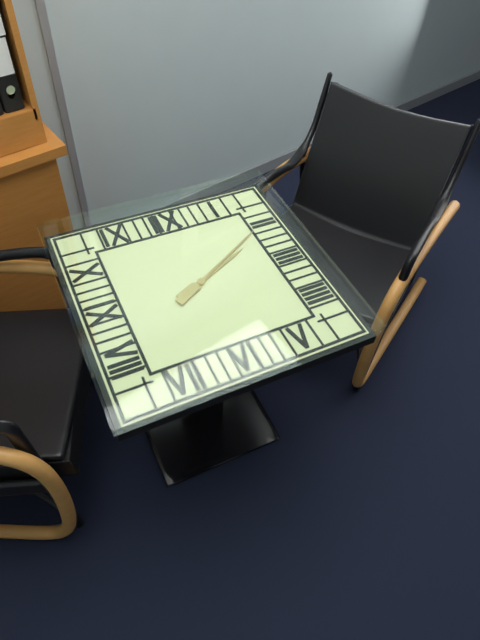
{"hour": 2, "minute": 10}
